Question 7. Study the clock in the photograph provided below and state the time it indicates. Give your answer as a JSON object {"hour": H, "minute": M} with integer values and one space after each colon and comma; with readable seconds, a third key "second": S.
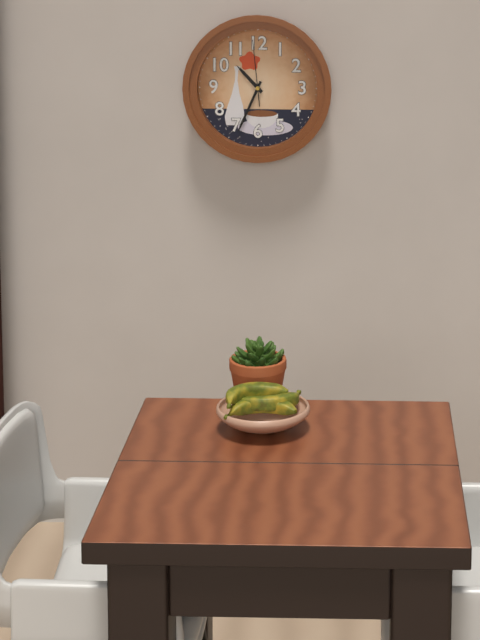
{"hour": 10, "minute": 34, "second": 59}
